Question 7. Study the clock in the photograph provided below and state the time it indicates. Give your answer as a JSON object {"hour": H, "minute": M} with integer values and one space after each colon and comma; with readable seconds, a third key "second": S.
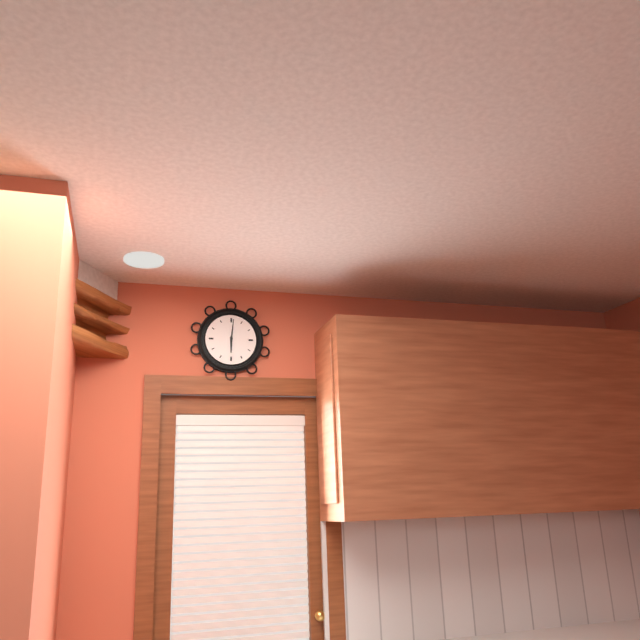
{"hour": 6, "minute": 1}
